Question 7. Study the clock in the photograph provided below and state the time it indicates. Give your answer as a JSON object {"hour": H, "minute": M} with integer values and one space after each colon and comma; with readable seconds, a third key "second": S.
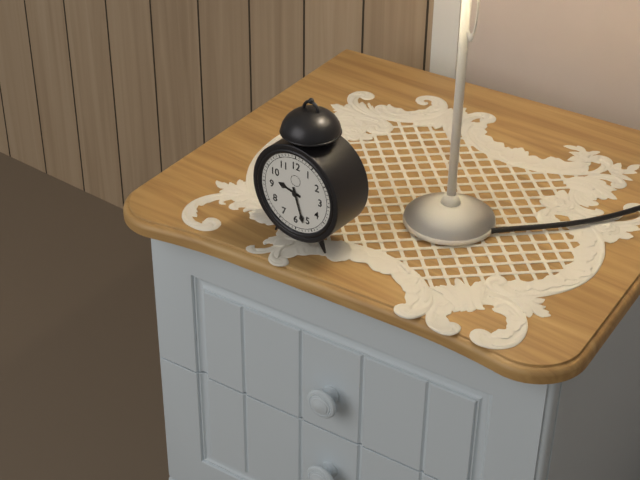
{"hour": 9, "minute": 27}
